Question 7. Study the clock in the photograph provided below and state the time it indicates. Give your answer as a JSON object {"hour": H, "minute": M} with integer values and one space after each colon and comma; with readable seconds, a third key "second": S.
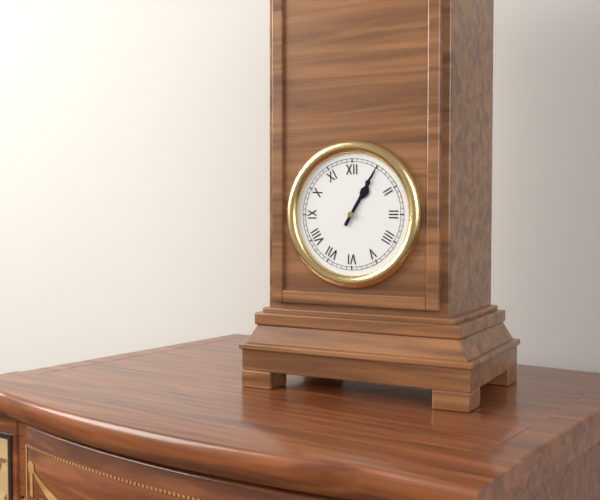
{"hour": 1, "minute": 5}
